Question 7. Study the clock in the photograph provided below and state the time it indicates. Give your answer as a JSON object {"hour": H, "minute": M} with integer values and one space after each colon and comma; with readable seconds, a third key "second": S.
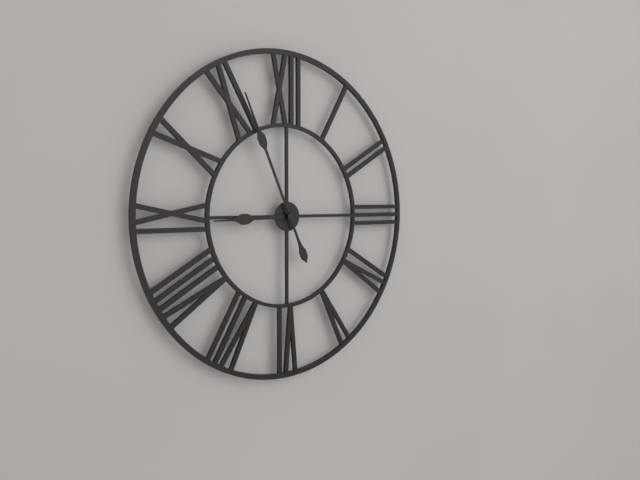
{"hour": 8, "minute": 56}
